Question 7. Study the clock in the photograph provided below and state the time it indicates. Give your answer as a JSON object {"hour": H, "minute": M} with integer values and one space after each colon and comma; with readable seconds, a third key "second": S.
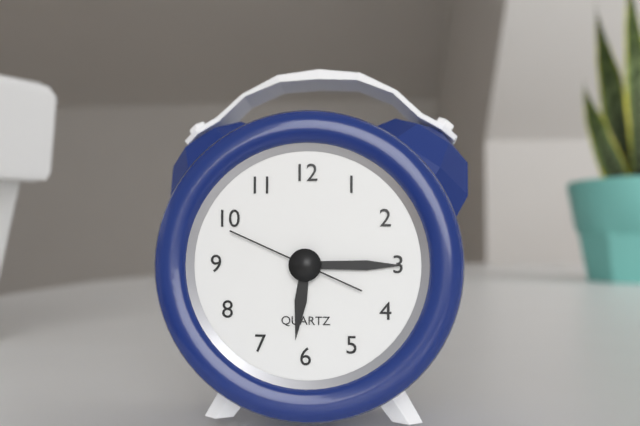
{"hour": 6, "minute": 15, "second": 49}
